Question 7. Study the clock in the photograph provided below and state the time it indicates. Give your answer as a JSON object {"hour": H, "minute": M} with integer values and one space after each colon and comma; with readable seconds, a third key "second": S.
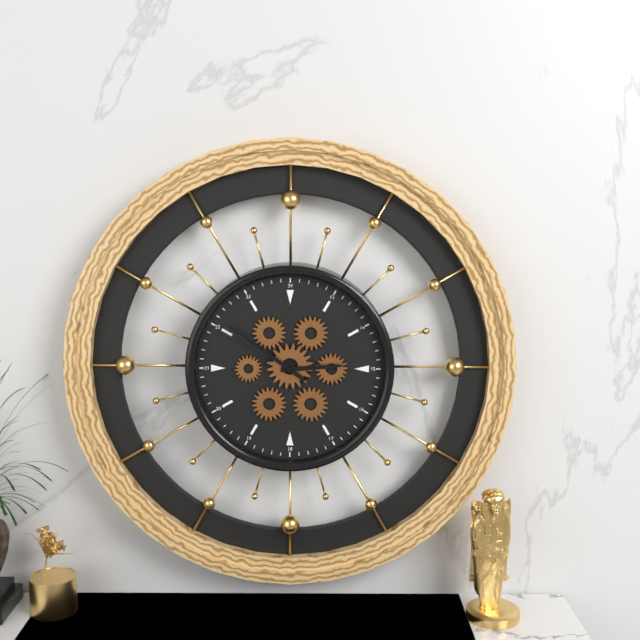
{"hour": 2, "minute": 51}
